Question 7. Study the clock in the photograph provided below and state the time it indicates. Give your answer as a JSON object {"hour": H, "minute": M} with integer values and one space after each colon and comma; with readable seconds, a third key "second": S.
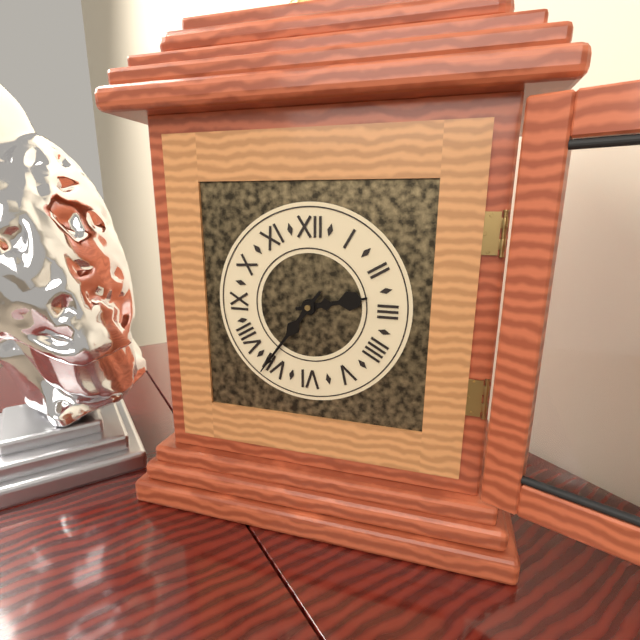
{"hour": 2, "minute": 36}
